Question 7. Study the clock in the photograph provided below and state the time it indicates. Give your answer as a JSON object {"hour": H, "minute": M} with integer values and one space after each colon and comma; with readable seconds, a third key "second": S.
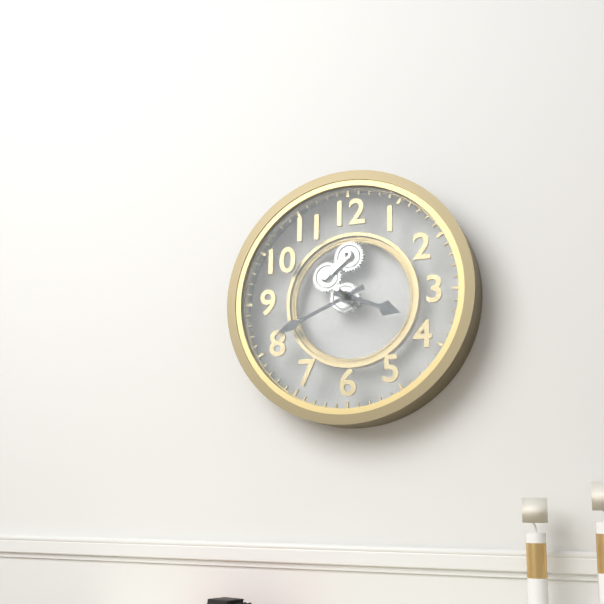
{"hour": 3, "minute": 41}
